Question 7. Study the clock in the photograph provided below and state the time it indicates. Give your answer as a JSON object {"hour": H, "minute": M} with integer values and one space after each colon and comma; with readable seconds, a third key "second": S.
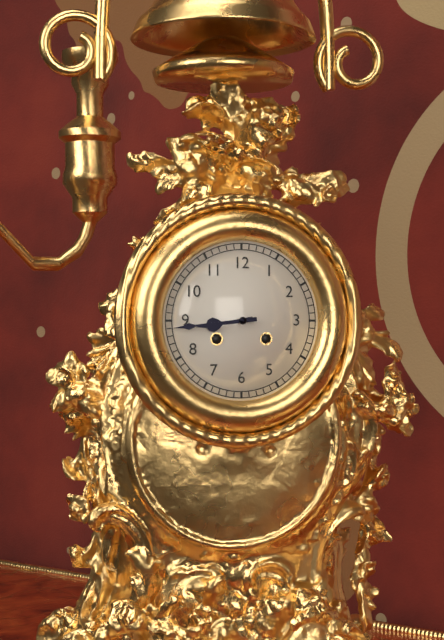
{"hour": 8, "minute": 44}
